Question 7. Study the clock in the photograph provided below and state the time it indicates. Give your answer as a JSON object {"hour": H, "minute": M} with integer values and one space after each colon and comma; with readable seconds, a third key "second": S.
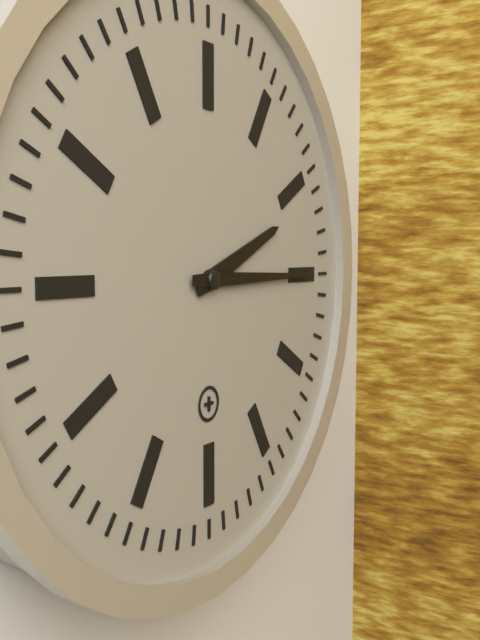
{"hour": 2, "minute": 15}
